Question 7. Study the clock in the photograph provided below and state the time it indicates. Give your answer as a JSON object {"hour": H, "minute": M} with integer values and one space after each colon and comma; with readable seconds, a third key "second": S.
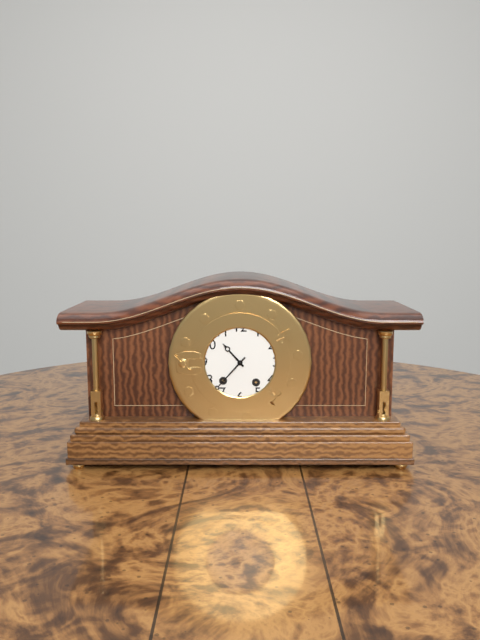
{"hour": 10, "minute": 37}
